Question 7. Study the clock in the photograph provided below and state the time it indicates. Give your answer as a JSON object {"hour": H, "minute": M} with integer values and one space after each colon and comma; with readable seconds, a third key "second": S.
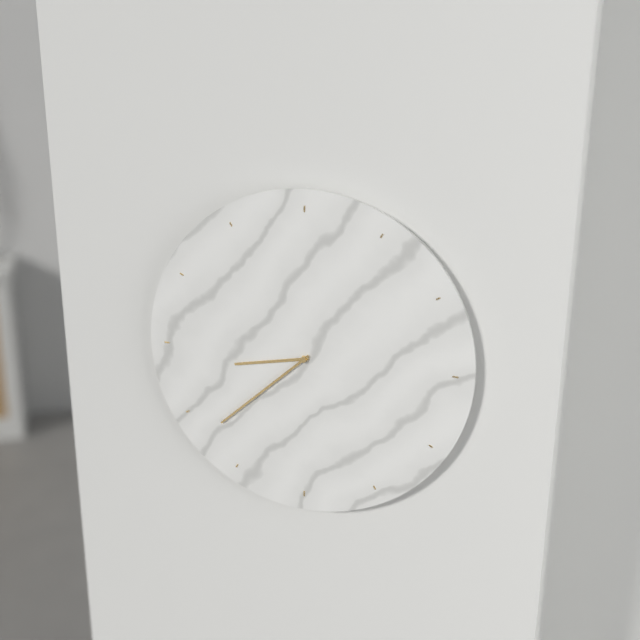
{"hour": 8, "minute": 38}
